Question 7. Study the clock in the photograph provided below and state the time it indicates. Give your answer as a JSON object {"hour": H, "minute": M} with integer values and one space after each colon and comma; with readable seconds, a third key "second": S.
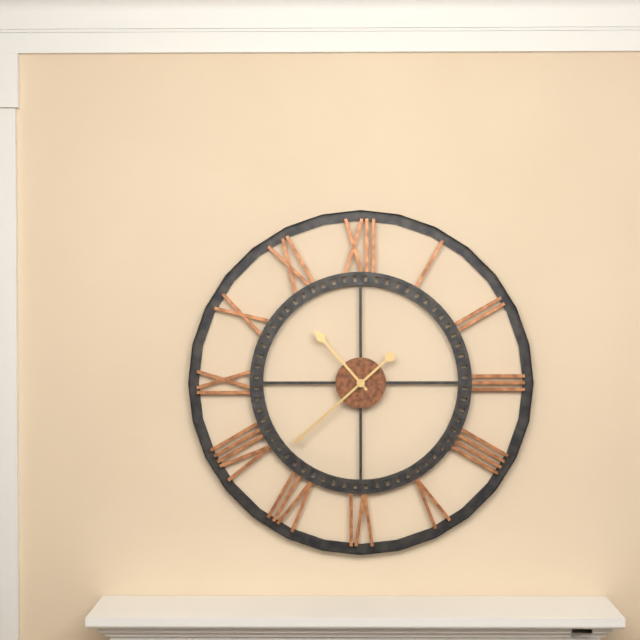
{"hour": 10, "minute": 38}
